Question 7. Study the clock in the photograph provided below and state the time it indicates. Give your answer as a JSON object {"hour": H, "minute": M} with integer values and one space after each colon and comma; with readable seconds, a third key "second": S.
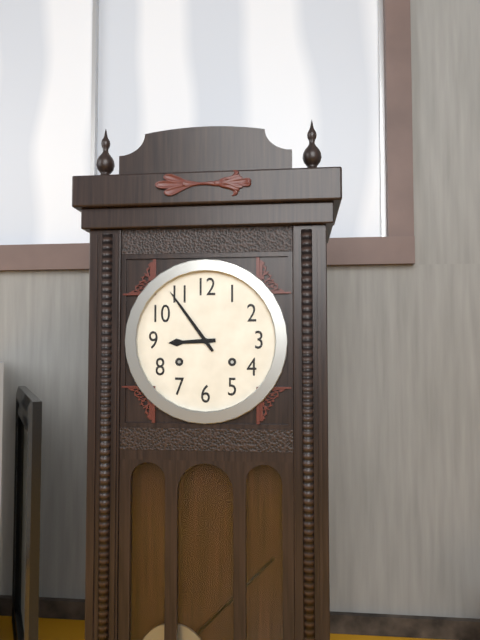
{"hour": 8, "minute": 54}
